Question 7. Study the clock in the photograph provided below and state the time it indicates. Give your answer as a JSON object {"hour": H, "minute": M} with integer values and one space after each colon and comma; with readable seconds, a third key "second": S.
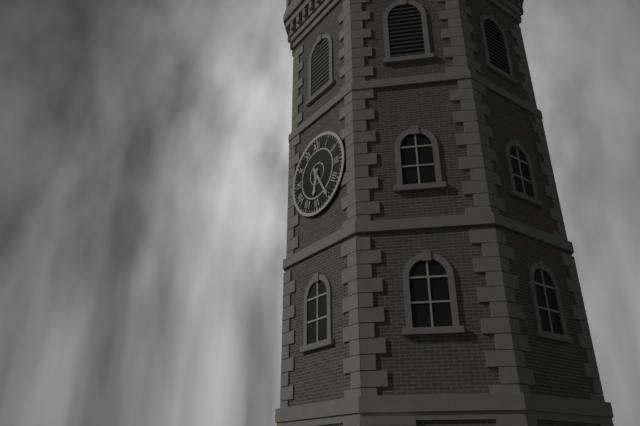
{"hour": 6, "minute": 25}
